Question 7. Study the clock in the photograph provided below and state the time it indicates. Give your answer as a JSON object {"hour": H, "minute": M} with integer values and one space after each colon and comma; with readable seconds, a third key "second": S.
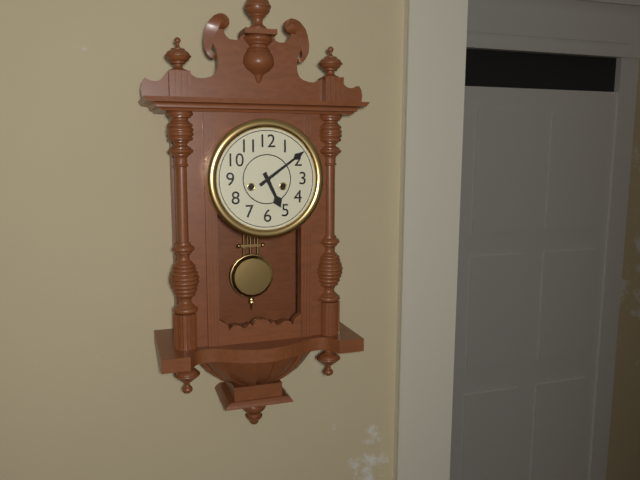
{"hour": 5, "minute": 9}
